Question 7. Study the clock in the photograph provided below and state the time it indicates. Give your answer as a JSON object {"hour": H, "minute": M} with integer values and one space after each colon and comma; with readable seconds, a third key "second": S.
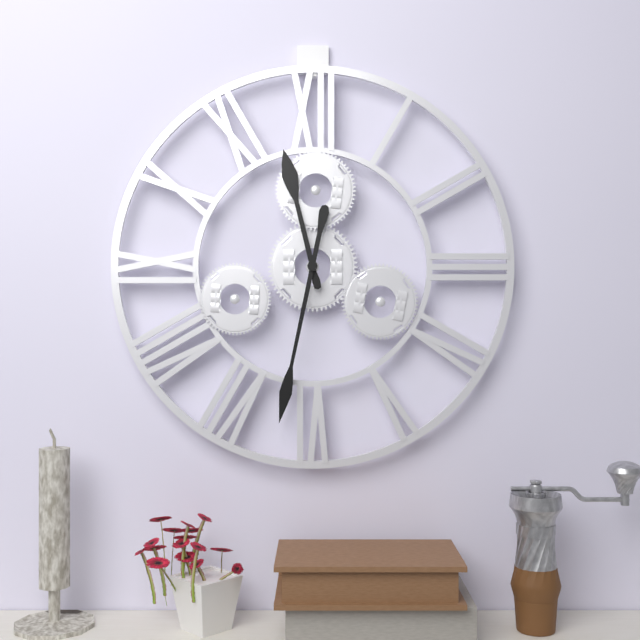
{"hour": 11, "minute": 32}
